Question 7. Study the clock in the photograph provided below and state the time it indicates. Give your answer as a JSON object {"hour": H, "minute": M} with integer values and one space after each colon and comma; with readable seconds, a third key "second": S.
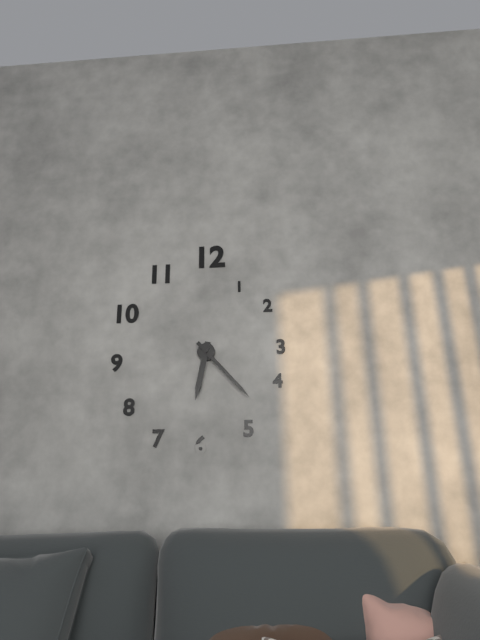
{"hour": 6, "minute": 23}
